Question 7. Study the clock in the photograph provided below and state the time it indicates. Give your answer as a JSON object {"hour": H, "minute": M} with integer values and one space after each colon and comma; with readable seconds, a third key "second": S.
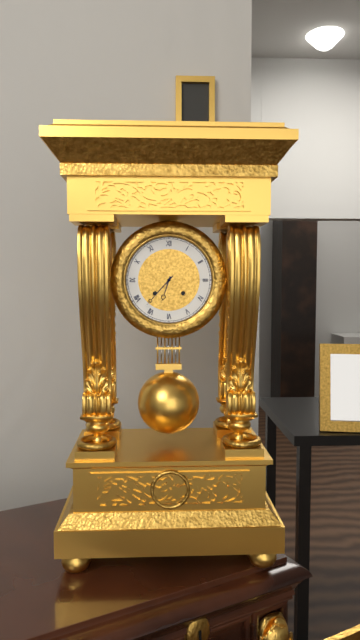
{"hour": 6, "minute": 37}
